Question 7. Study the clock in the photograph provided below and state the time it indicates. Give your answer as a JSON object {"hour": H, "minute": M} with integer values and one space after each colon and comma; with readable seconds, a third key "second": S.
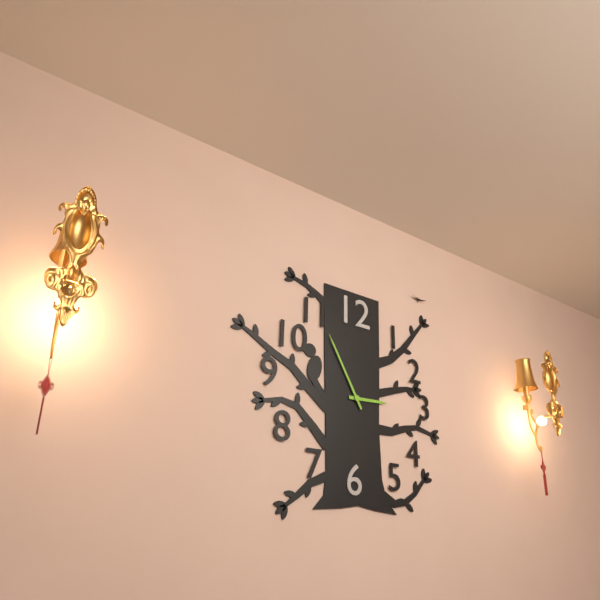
{"hour": 2, "minute": 55}
